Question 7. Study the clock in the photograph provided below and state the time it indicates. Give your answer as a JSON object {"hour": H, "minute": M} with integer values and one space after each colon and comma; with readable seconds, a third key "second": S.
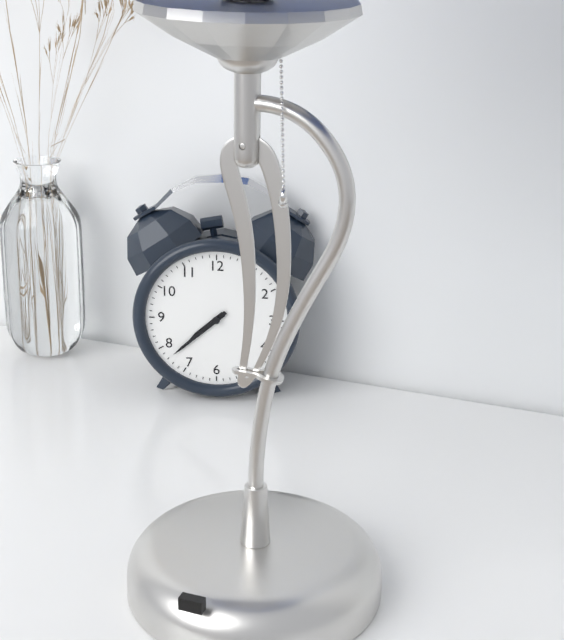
{"hour": 7, "minute": 38}
